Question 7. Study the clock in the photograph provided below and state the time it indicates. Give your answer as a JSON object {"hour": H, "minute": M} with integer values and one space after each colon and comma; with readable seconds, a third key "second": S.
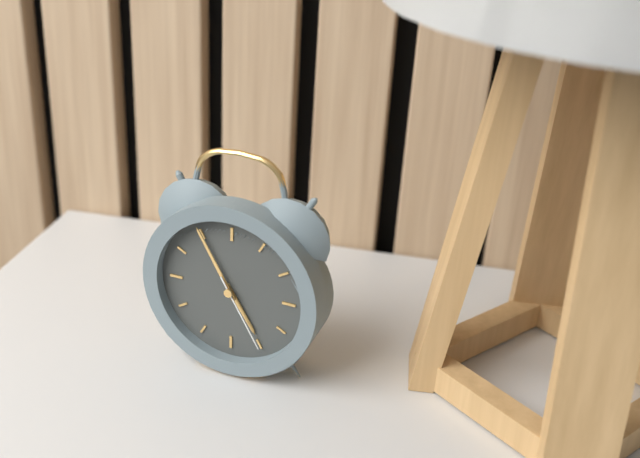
{"hour": 4, "minute": 55, "second": 25}
